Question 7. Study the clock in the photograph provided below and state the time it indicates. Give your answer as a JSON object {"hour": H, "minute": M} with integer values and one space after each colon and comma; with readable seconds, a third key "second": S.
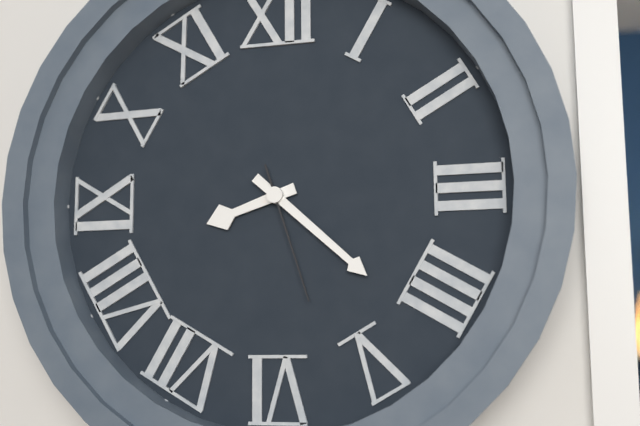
{"hour": 8, "minute": 22, "second": 27}
